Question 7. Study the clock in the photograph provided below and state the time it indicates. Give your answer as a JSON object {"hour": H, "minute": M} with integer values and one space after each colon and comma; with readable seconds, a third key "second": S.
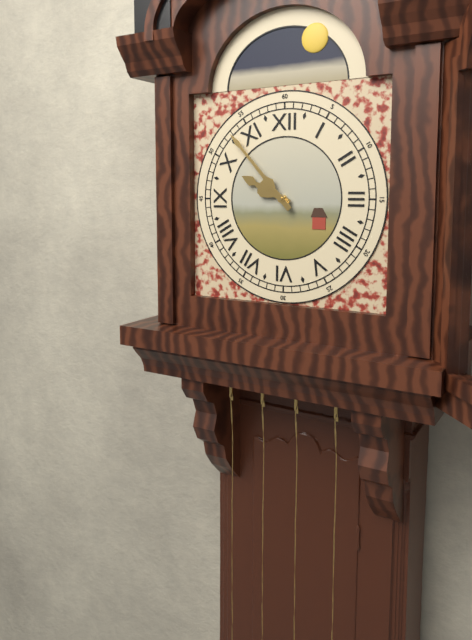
{"hour": 9, "minute": 53}
